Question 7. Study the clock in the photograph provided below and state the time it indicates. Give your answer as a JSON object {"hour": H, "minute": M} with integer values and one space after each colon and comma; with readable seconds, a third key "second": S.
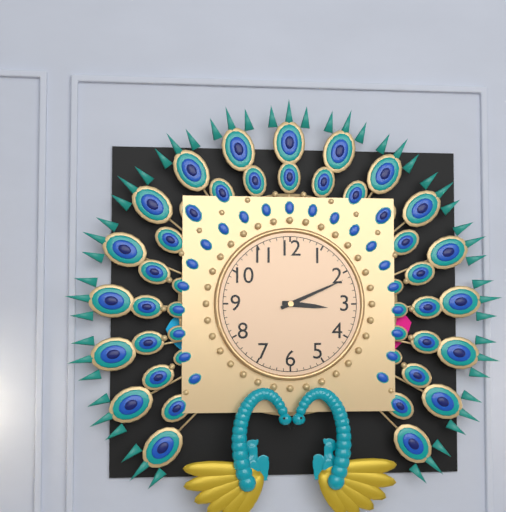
{"hour": 3, "minute": 11}
